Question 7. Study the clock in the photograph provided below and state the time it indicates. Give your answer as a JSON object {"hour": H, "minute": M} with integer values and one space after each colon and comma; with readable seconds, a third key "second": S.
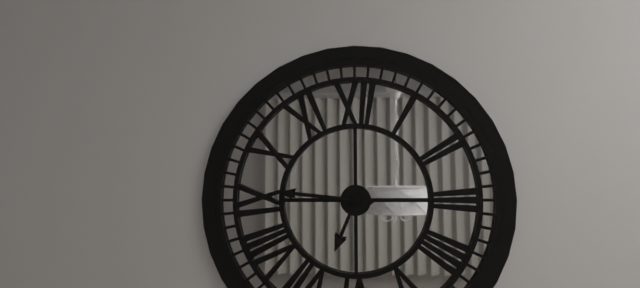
{"hour": 6, "minute": 46}
